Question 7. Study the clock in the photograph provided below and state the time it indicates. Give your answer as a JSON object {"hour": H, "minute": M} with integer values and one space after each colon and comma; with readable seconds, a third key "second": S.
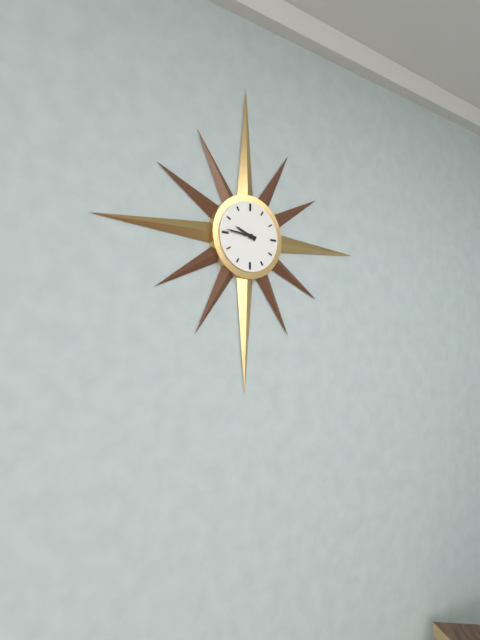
{"hour": 9, "minute": 46}
